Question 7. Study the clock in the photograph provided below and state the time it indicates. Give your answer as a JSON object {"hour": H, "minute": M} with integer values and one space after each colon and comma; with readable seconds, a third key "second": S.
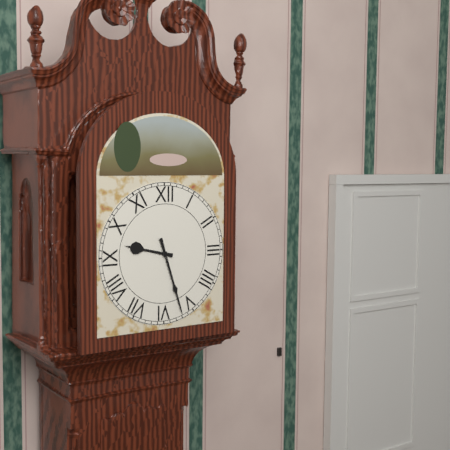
{"hour": 9, "minute": 27}
